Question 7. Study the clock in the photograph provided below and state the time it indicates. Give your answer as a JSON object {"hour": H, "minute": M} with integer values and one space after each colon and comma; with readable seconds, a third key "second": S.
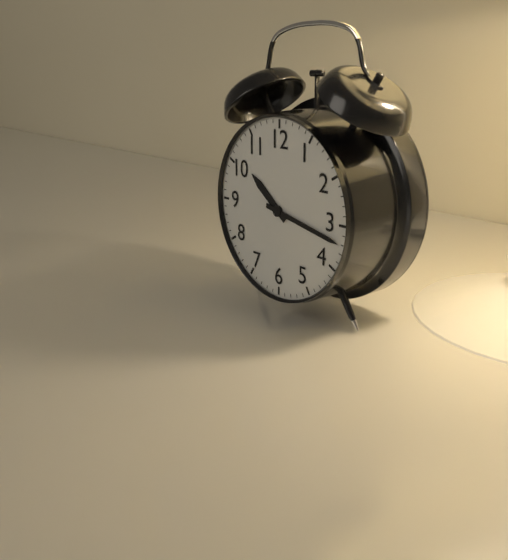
{"hour": 10, "minute": 17}
